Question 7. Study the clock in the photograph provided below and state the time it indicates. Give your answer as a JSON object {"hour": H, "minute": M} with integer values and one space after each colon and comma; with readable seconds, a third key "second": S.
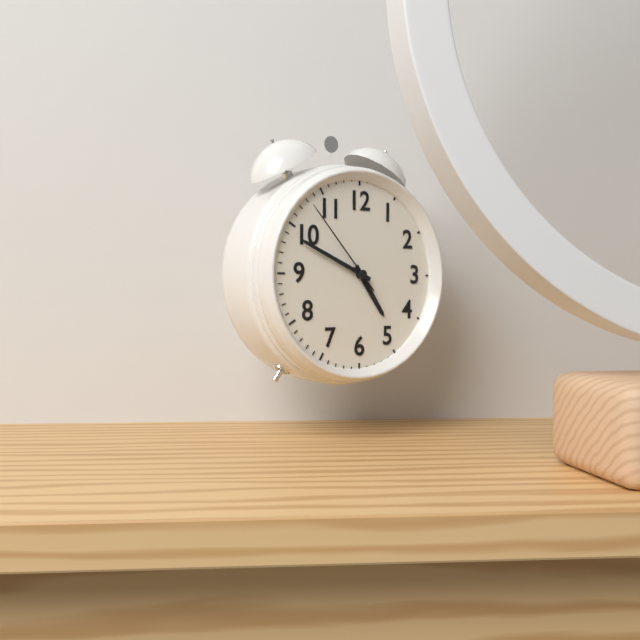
{"hour": 4, "minute": 49, "second": 53}
